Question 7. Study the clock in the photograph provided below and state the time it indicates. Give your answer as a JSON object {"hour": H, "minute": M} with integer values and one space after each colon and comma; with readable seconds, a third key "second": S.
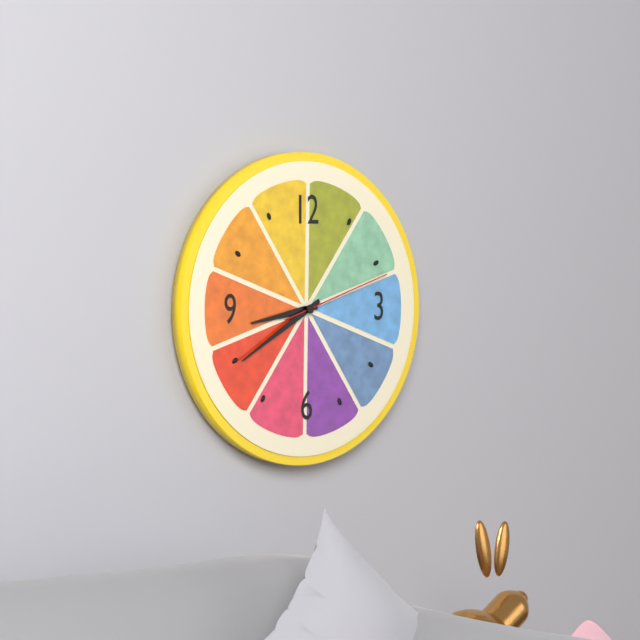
{"hour": 8, "minute": 40, "second": 12}
